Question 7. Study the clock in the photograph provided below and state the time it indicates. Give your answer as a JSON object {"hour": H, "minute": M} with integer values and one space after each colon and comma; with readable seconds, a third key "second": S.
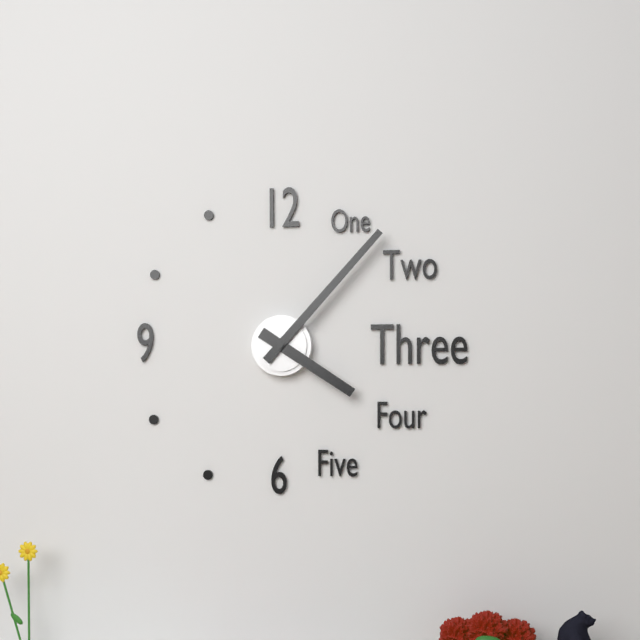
{"hour": 4, "minute": 7}
